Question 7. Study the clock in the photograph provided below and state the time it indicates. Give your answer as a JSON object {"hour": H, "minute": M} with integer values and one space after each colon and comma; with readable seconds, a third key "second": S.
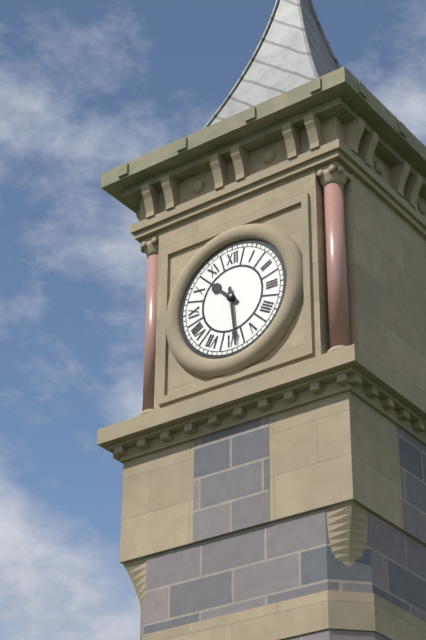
{"hour": 10, "minute": 29}
